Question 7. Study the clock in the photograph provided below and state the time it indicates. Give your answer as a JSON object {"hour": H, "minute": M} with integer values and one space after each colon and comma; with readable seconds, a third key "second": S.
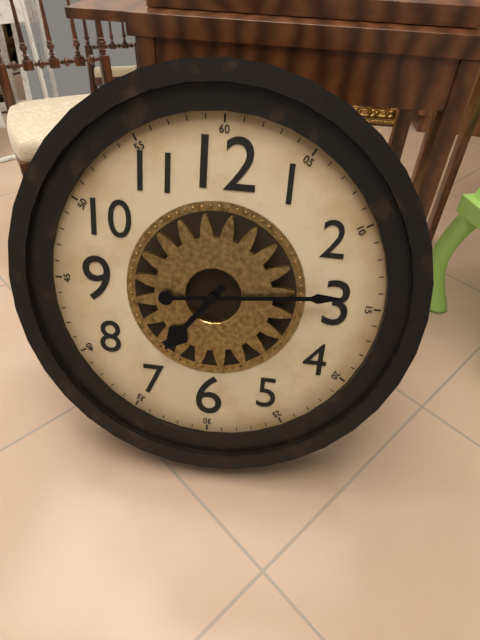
{"hour": 7, "minute": 14}
